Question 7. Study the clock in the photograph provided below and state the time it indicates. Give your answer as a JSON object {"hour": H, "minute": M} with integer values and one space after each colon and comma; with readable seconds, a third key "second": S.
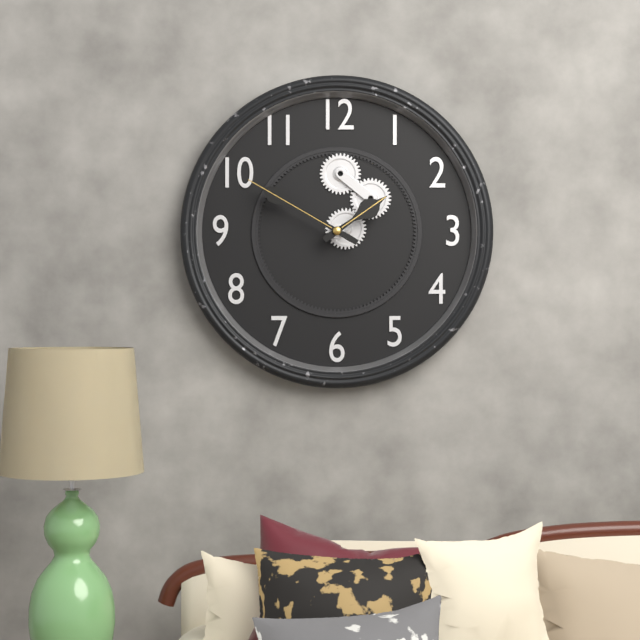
{"hour": 1, "minute": 50}
